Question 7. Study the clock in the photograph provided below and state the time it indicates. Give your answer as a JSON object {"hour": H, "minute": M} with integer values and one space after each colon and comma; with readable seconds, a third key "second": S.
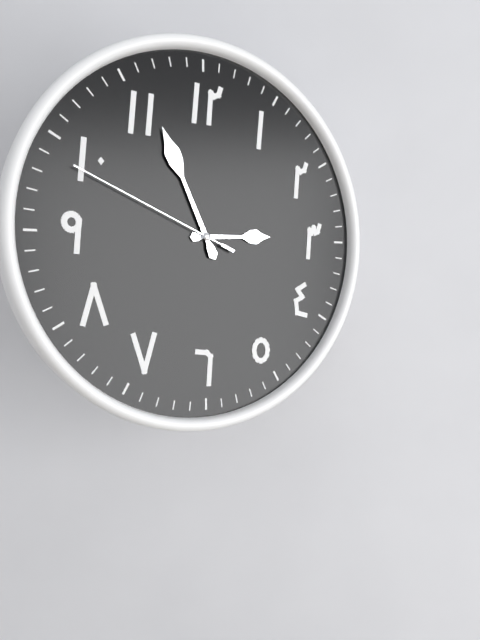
{"hour": 2, "minute": 56, "second": 49}
